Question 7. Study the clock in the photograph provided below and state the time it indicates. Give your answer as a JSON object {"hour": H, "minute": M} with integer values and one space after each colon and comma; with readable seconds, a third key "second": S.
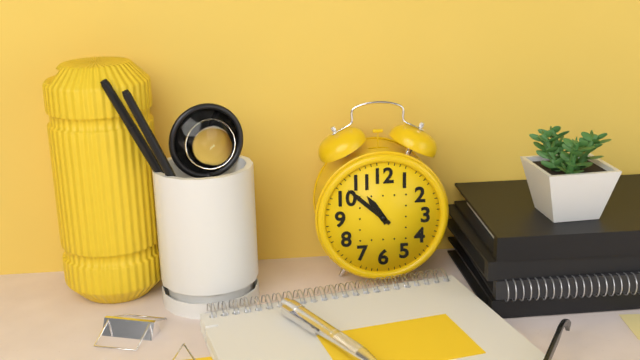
{"hour": 10, "minute": 52}
